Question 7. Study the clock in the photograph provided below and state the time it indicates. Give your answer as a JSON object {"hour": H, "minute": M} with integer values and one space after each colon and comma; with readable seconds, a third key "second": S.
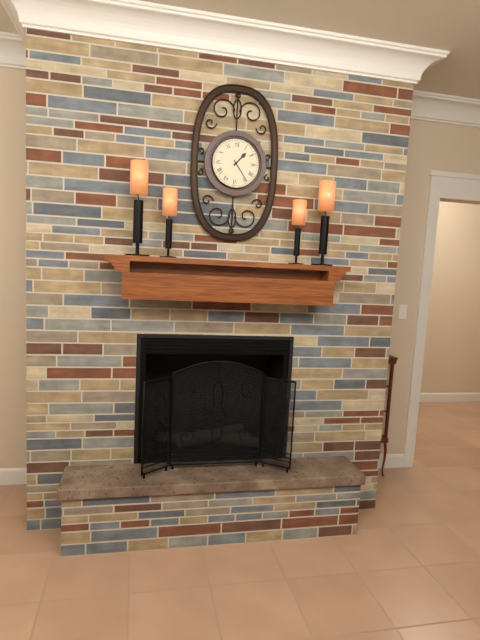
{"hour": 1, "minute": 24}
